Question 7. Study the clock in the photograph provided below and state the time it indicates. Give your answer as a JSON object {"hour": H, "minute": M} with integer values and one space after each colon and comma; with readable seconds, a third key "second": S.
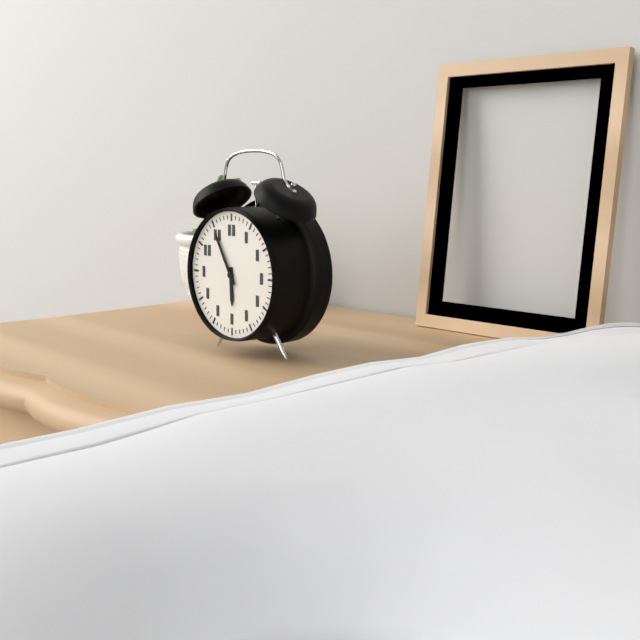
{"hour": 5, "minute": 55}
